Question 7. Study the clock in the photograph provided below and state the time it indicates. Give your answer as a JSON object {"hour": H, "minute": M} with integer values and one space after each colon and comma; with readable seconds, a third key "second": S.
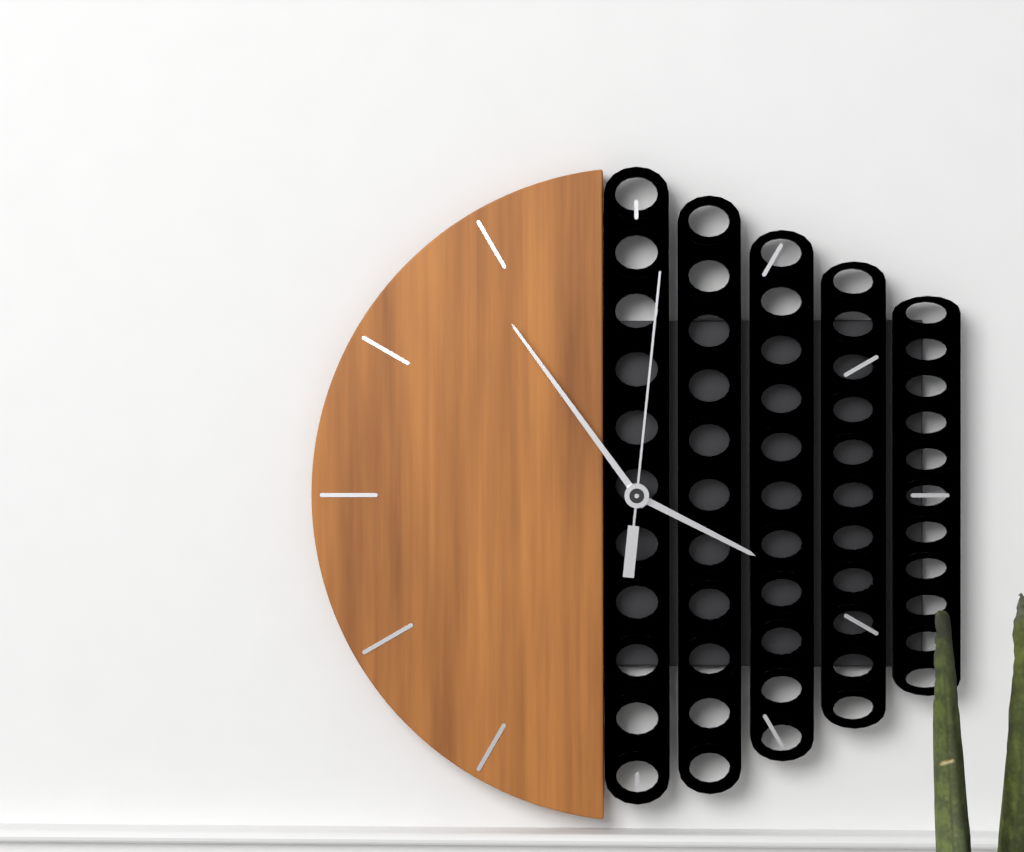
{"hour": 3, "minute": 54, "second": 1}
